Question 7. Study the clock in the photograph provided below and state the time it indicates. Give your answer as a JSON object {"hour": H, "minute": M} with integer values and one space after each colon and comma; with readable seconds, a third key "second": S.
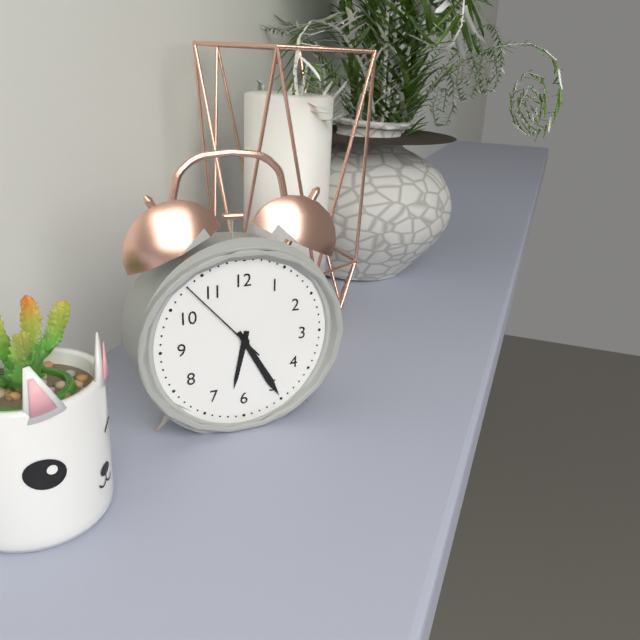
{"hour": 6, "minute": 25, "second": 53}
